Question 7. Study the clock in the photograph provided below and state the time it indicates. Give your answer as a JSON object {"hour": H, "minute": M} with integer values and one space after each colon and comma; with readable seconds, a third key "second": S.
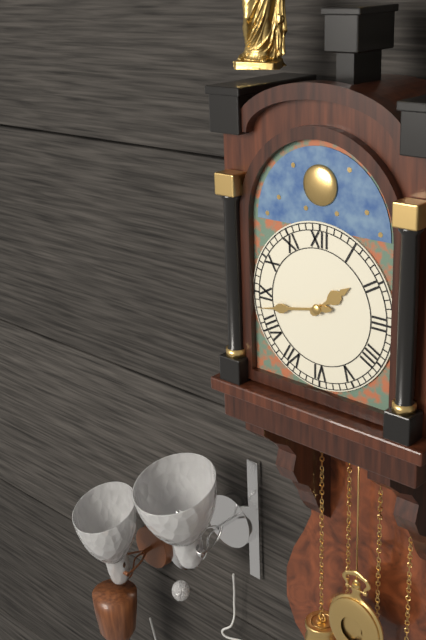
{"hour": 1, "minute": 43}
